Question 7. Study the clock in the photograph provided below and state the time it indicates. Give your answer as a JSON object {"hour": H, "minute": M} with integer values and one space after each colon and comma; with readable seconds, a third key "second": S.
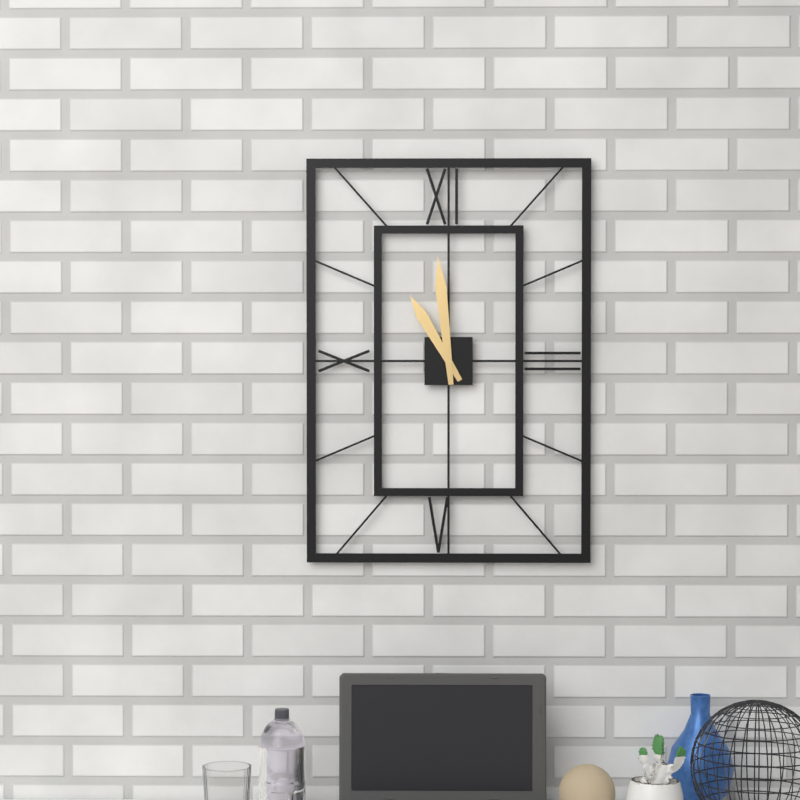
{"hour": 10, "minute": 59}
